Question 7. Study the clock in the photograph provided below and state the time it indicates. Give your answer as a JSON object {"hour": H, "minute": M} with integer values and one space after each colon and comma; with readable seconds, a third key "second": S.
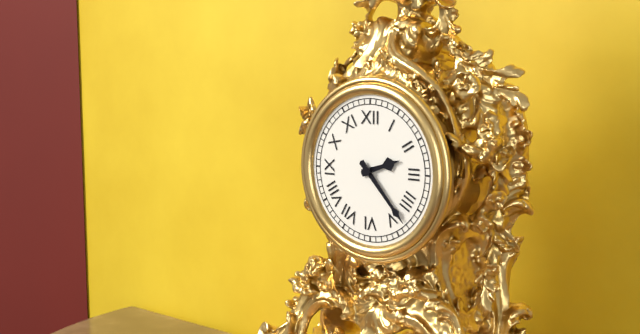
{"hour": 2, "minute": 23}
